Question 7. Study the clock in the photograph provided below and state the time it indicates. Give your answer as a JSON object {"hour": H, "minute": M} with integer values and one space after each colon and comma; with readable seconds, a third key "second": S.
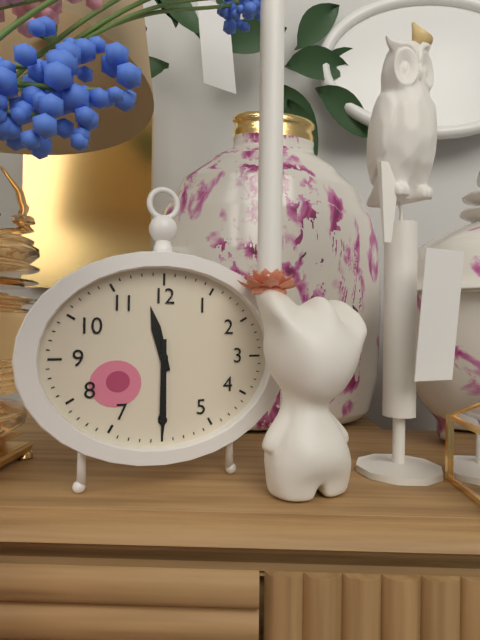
{"hour": 11, "minute": 30}
